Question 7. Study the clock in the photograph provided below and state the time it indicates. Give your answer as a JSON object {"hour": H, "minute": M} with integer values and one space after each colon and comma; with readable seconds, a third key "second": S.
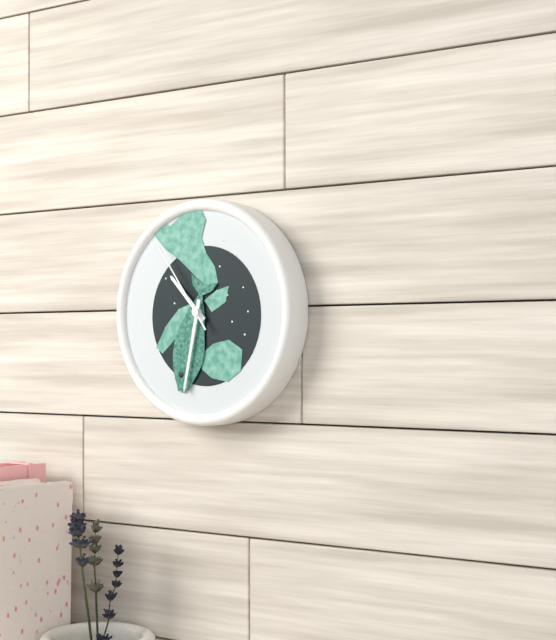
{"hour": 10, "minute": 32, "second": 54}
